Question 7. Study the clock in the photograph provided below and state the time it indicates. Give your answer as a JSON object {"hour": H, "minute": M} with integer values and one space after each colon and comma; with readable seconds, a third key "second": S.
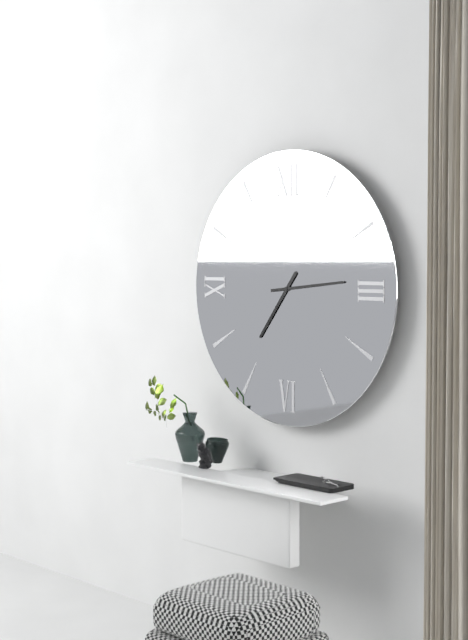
{"hour": 7, "minute": 14}
